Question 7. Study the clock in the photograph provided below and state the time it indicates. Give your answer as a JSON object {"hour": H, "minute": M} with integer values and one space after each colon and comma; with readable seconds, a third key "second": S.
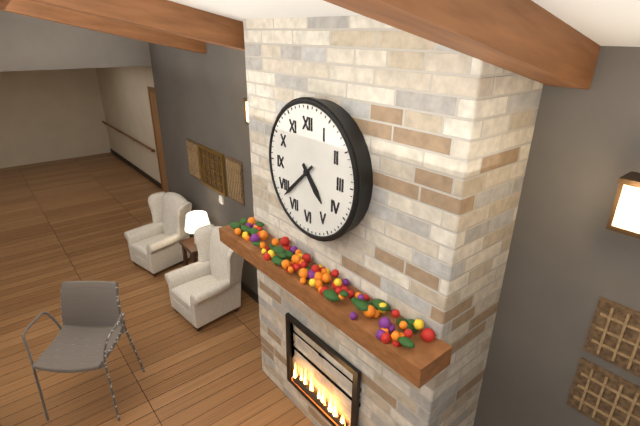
{"hour": 4, "minute": 38}
